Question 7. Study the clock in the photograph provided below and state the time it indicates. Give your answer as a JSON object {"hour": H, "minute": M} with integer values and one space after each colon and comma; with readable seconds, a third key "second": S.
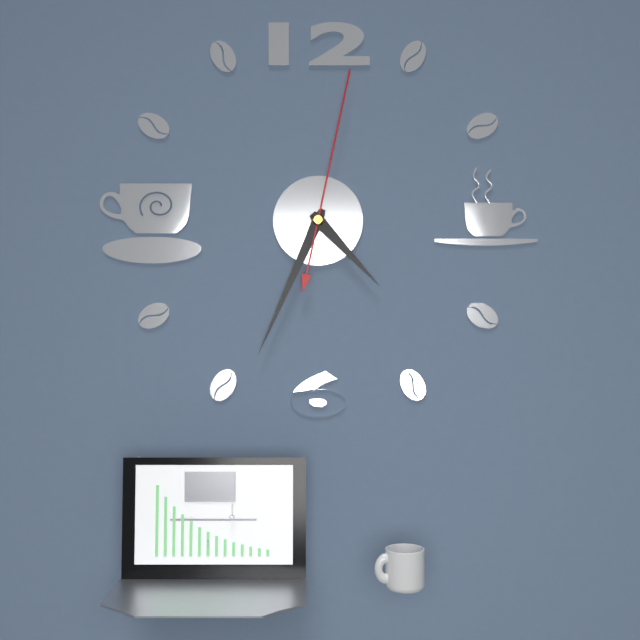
{"hour": 4, "minute": 34, "second": 2}
